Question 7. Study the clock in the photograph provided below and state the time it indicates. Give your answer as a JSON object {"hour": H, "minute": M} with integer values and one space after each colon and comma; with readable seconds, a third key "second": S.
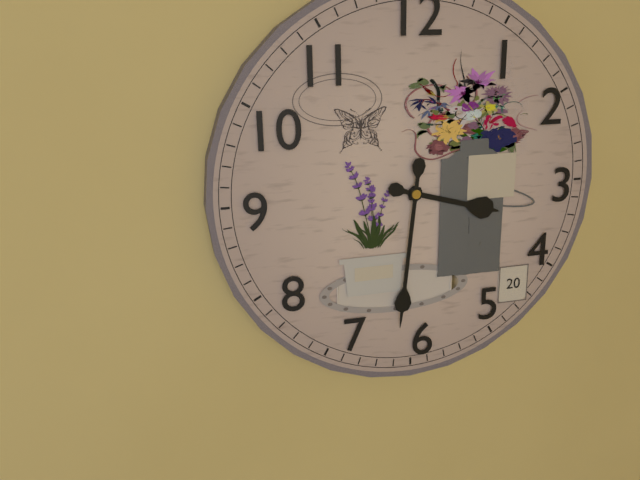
{"hour": 3, "minute": 31}
